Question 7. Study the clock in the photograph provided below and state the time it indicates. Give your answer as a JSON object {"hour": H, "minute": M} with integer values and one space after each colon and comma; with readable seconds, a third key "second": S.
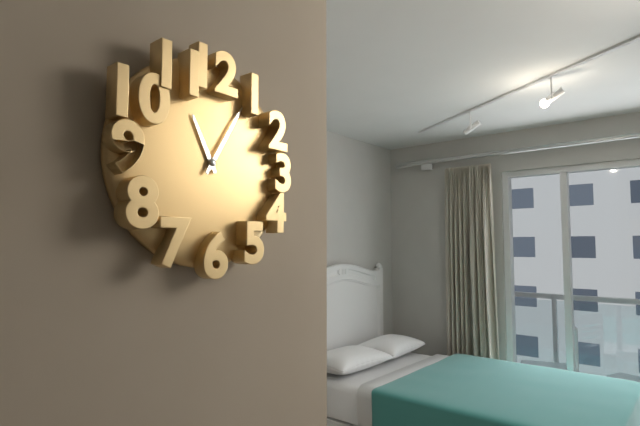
{"hour": 11, "minute": 5}
